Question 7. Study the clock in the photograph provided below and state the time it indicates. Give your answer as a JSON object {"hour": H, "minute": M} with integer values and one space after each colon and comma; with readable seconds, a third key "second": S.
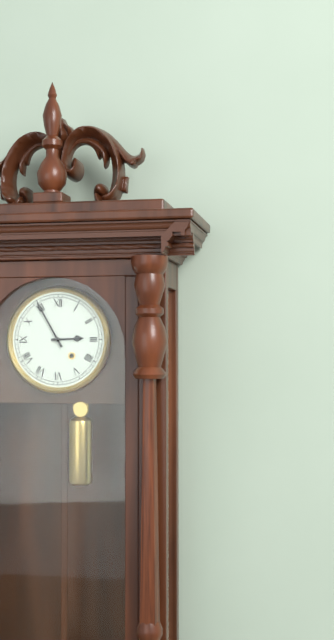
{"hour": 2, "minute": 55}
